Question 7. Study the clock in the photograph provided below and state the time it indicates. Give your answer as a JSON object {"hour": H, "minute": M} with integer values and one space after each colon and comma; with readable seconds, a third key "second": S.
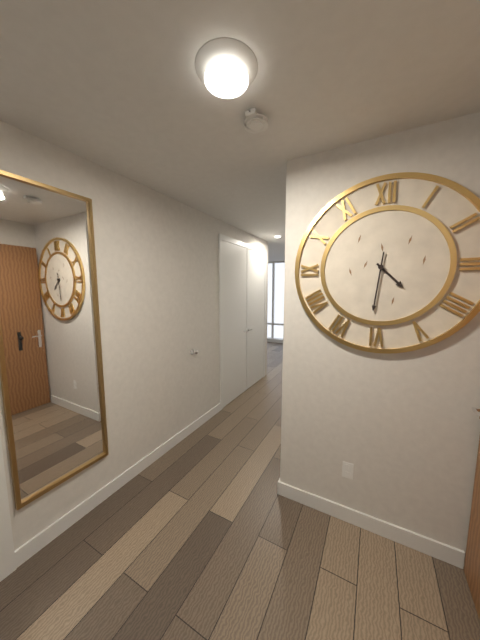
{"hour": 4, "minute": 31}
